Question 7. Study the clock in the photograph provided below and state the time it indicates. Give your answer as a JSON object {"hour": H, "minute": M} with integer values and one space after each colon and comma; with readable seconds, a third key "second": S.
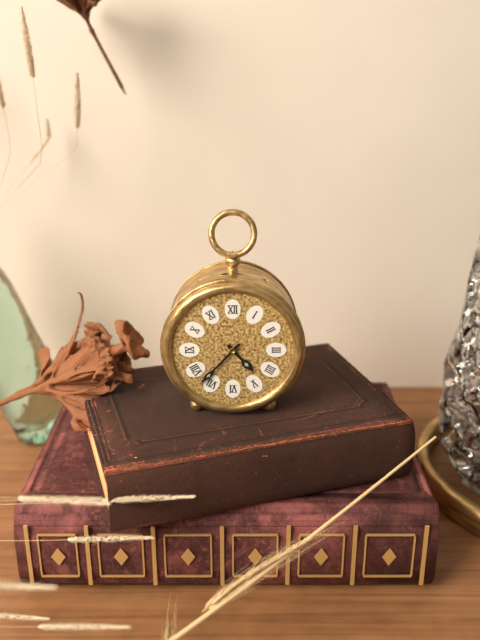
{"hour": 4, "minute": 37}
